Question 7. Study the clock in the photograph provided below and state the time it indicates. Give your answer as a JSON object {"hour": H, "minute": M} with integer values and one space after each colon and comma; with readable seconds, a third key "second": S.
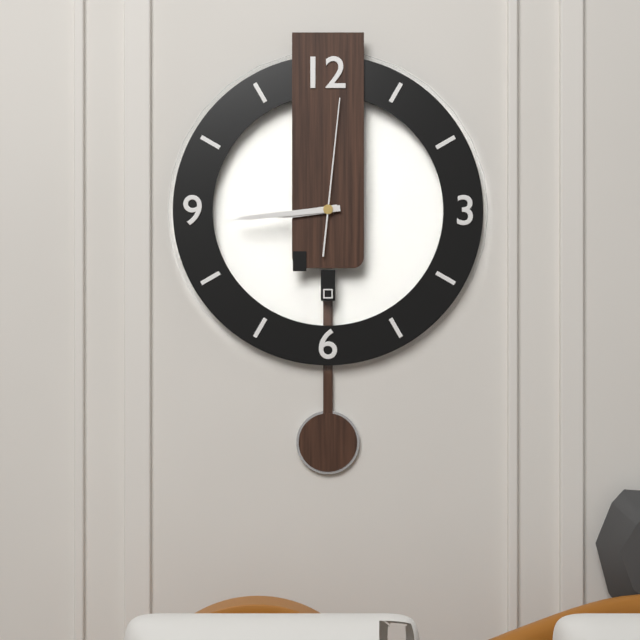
{"hour": 8, "minute": 44, "second": 1}
